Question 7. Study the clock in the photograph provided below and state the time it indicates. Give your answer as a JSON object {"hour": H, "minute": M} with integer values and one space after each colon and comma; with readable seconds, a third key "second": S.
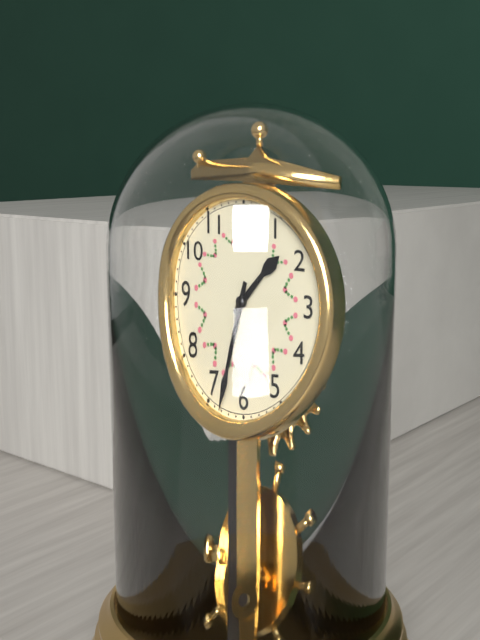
{"hour": 1, "minute": 33}
